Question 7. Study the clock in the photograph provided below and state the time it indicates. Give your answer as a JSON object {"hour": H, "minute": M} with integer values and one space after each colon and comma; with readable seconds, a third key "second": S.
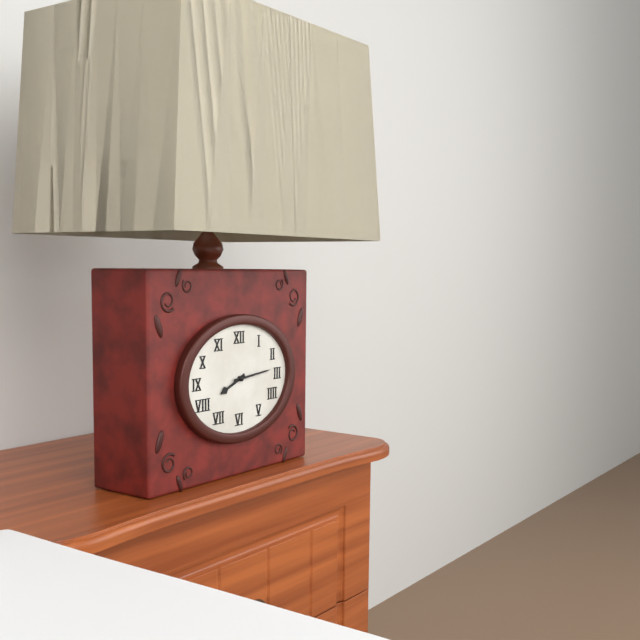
{"hour": 8, "minute": 14}
